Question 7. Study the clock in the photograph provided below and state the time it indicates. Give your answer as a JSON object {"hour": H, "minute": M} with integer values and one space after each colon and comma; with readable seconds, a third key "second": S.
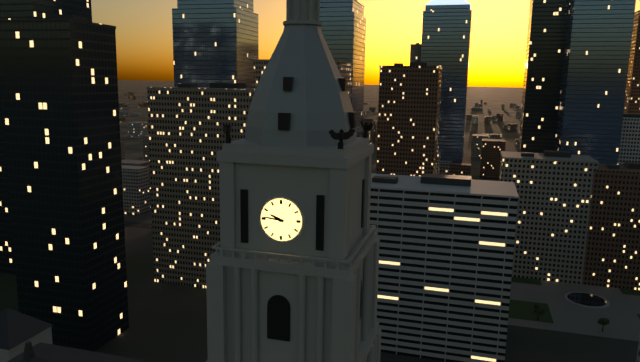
{"hour": 9, "minute": 46}
